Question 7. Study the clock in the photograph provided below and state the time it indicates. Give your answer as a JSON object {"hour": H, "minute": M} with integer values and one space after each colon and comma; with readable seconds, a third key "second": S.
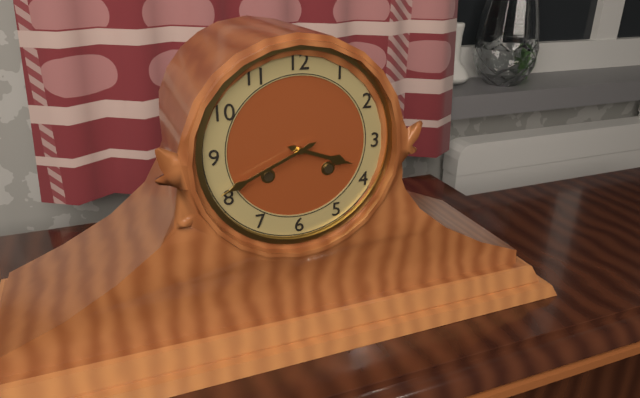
{"hour": 3, "minute": 41}
